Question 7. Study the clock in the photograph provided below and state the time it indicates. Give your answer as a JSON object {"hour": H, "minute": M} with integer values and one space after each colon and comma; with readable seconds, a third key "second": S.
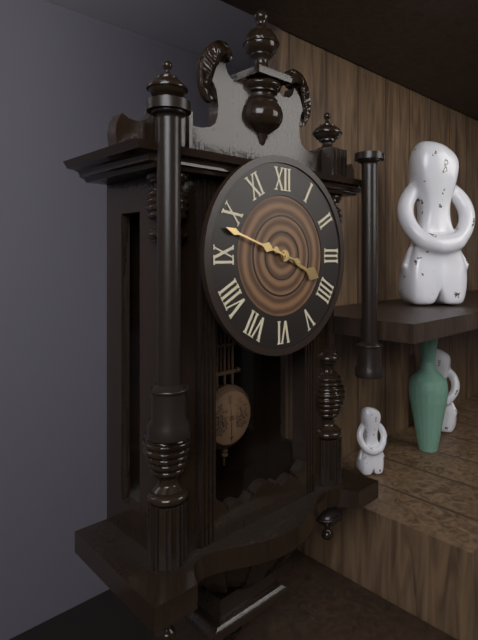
{"hour": 3, "minute": 48}
